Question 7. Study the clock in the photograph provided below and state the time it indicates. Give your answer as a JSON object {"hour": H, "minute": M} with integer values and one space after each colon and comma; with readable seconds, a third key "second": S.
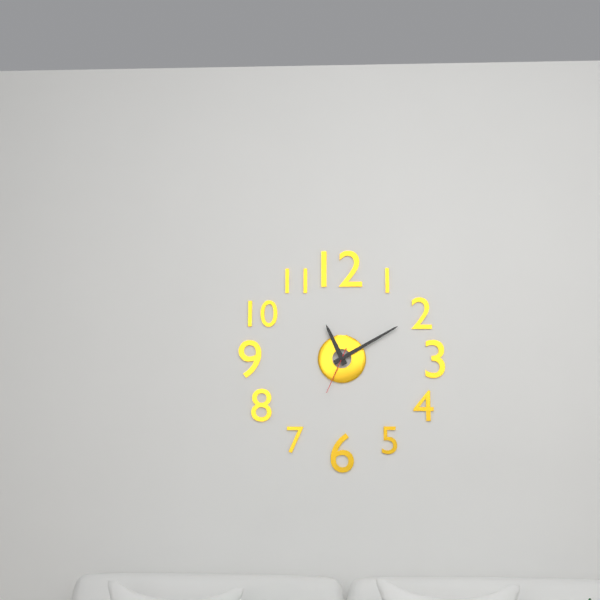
{"hour": 11, "minute": 10}
